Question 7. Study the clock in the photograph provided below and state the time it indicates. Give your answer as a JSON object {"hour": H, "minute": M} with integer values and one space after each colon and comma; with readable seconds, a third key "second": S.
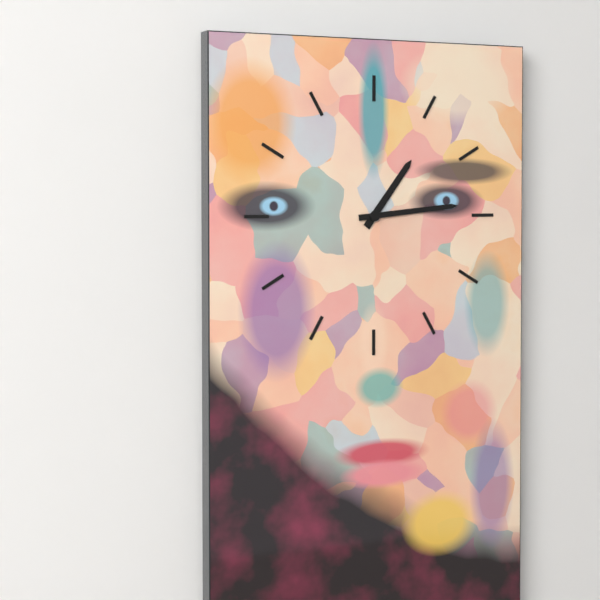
{"hour": 1, "minute": 14}
